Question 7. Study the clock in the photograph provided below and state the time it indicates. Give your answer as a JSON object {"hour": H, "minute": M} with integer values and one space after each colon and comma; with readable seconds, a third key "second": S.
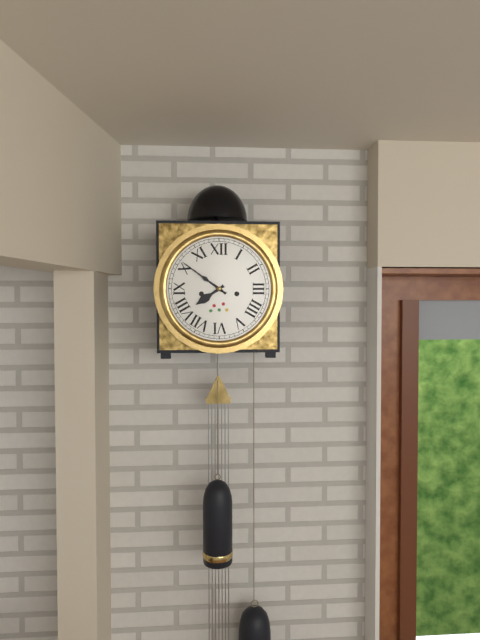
{"hour": 7, "minute": 51}
